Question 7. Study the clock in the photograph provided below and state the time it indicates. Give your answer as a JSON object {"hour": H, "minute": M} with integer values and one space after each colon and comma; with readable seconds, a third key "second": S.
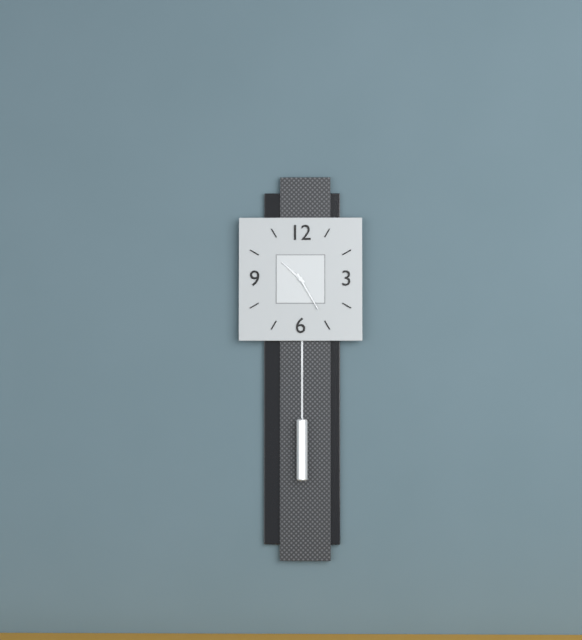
{"hour": 10, "minute": 25}
